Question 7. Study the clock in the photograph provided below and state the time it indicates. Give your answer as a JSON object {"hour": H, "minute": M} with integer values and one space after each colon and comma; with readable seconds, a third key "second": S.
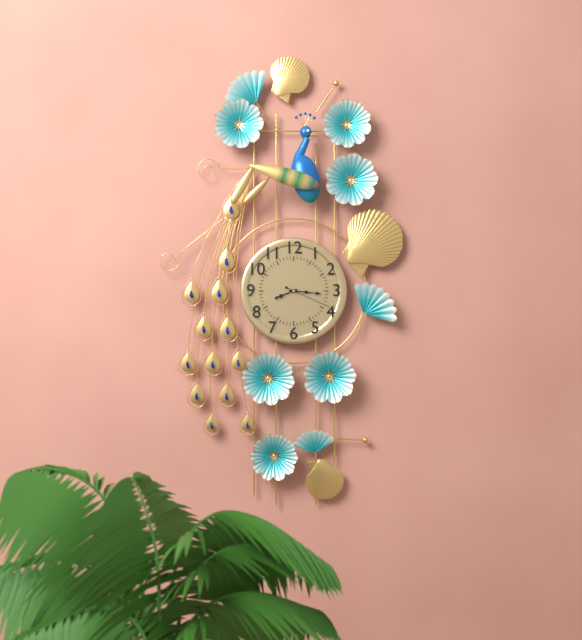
{"hour": 8, "minute": 16}
